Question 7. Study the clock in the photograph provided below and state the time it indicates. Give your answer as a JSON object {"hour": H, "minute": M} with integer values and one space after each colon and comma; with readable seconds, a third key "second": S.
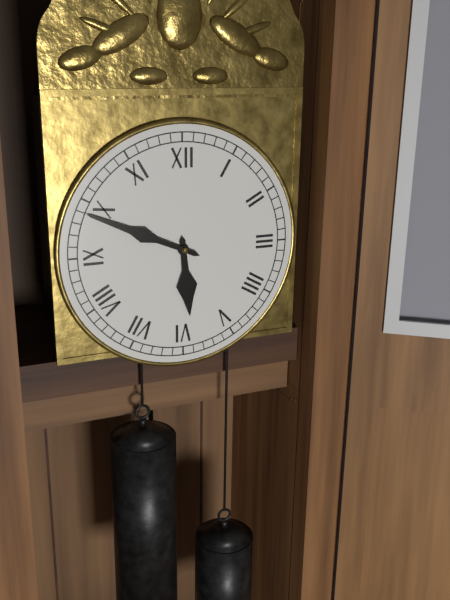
{"hour": 5, "minute": 49}
